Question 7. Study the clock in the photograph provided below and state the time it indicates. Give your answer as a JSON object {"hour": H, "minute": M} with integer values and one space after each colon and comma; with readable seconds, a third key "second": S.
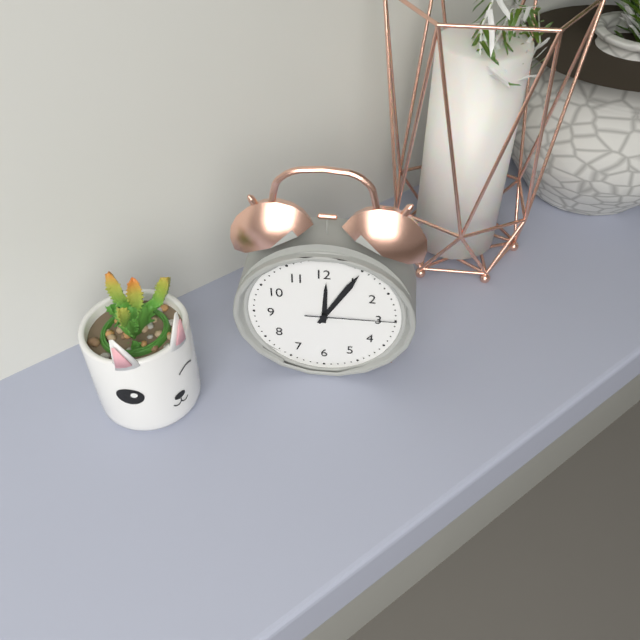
{"hour": 12, "minute": 5, "second": 15}
